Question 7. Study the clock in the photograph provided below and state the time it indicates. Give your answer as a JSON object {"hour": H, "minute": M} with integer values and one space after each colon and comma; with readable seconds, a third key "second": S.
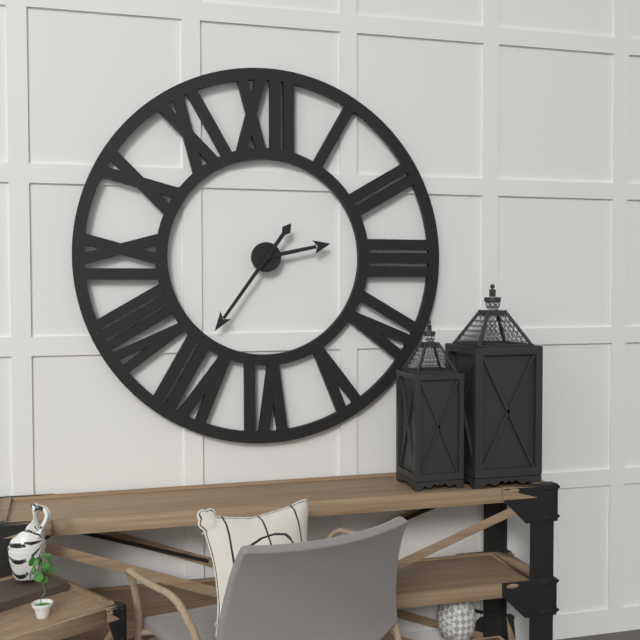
{"hour": 2, "minute": 36}
